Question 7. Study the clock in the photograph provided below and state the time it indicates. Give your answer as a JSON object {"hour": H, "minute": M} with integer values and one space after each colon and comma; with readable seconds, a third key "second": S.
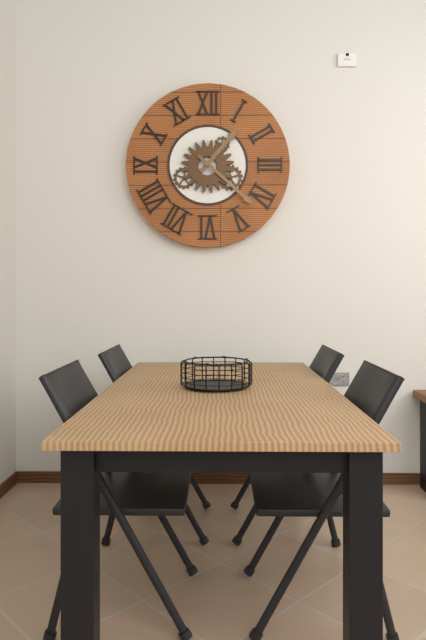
{"hour": 1, "minute": 22}
